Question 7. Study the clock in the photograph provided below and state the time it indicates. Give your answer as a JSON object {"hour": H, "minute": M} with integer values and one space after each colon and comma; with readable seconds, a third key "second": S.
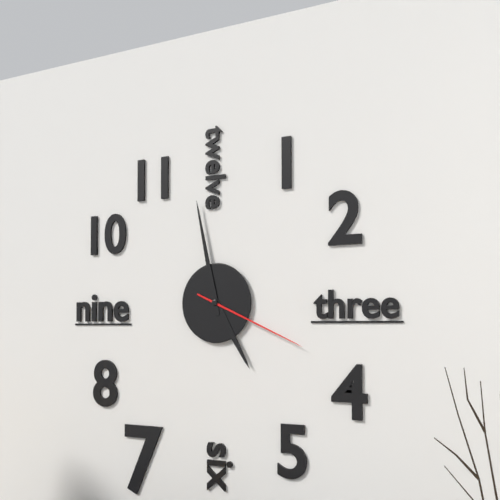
{"hour": 4, "minute": 58, "second": 19}
